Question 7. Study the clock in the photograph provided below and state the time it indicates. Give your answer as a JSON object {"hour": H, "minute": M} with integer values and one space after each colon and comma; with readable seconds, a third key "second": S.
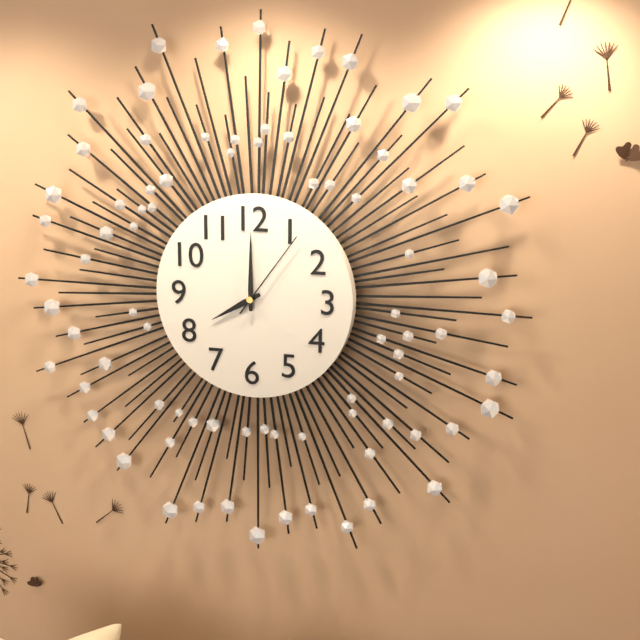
{"hour": 8, "minute": 0, "second": 6}
